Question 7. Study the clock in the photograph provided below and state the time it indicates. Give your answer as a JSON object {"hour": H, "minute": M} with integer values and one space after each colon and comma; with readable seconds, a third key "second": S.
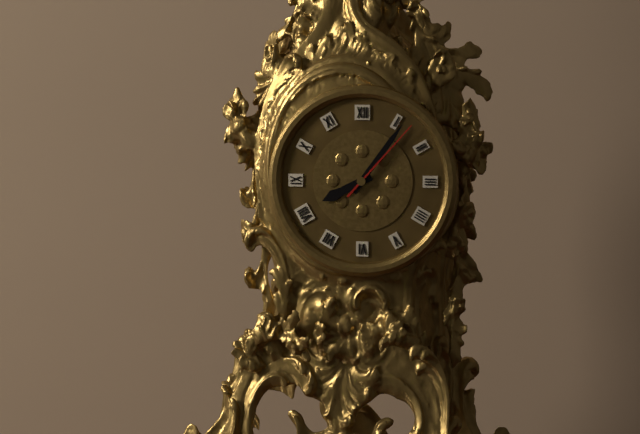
{"hour": 8, "minute": 6, "second": 7}
